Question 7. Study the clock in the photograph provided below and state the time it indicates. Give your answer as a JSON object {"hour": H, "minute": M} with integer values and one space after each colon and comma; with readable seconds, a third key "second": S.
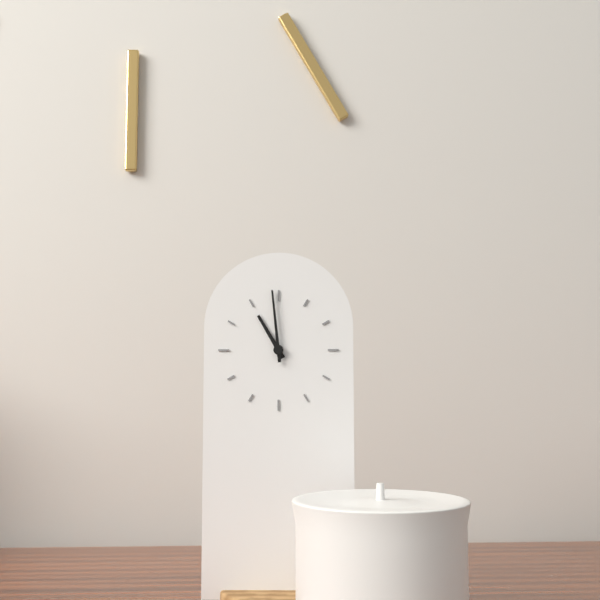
{"hour": 10, "minute": 59}
